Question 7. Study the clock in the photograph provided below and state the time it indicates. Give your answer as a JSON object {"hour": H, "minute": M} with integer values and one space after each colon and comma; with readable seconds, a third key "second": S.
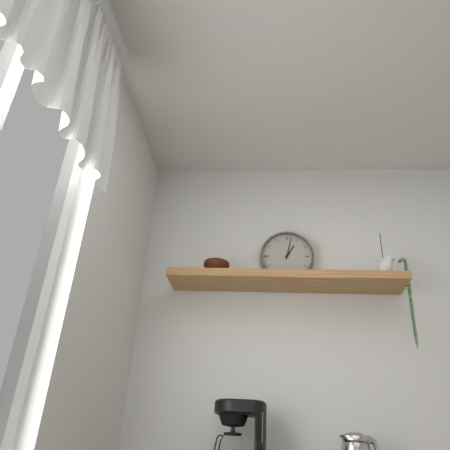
{"hour": 1, "minute": 2}
